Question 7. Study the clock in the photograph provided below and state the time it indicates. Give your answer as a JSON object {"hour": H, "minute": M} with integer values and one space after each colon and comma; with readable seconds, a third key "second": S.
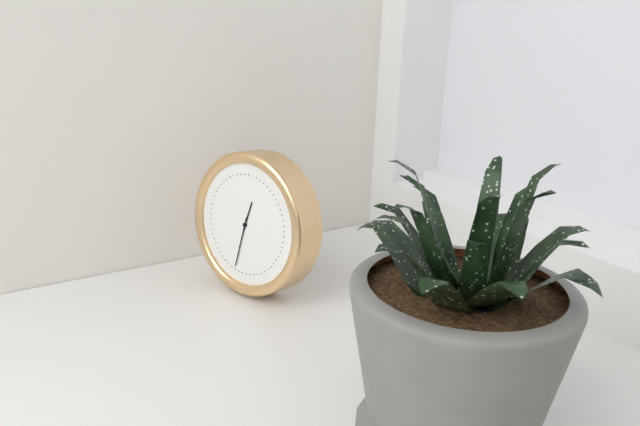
{"hour": 12, "minute": 32}
